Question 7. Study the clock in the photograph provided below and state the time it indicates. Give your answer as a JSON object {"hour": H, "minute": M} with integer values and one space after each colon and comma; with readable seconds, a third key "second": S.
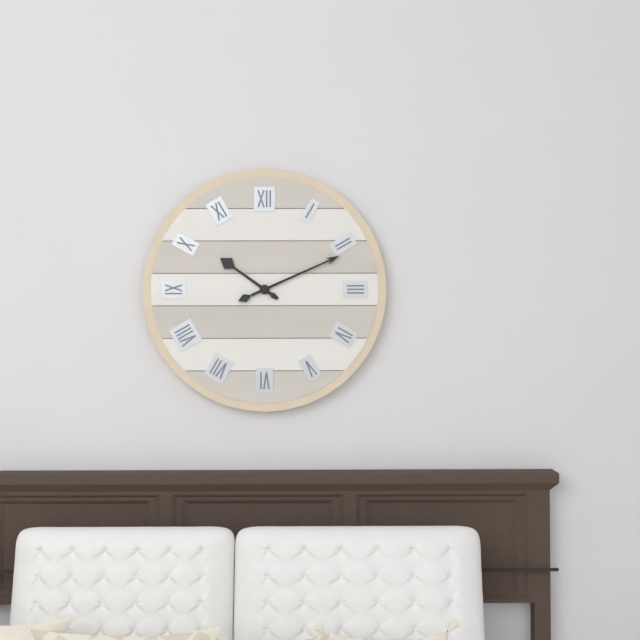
{"hour": 10, "minute": 11}
